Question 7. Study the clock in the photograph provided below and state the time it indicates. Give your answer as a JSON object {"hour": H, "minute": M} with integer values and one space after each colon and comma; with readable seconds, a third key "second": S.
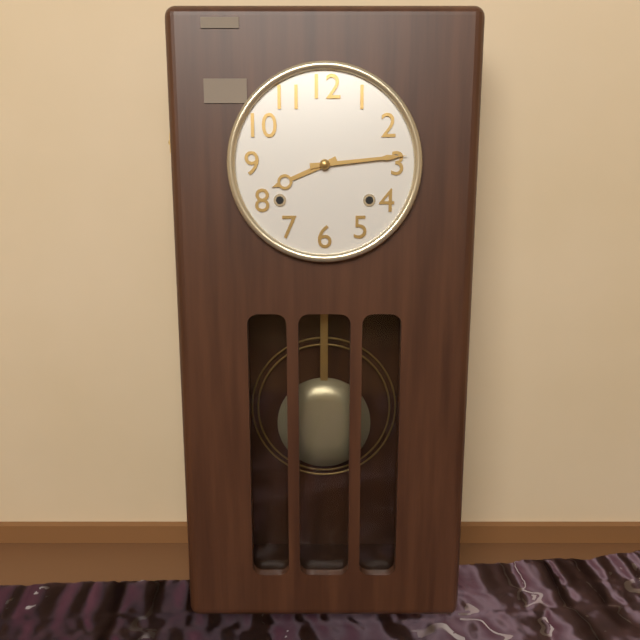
{"hour": 8, "minute": 14}
